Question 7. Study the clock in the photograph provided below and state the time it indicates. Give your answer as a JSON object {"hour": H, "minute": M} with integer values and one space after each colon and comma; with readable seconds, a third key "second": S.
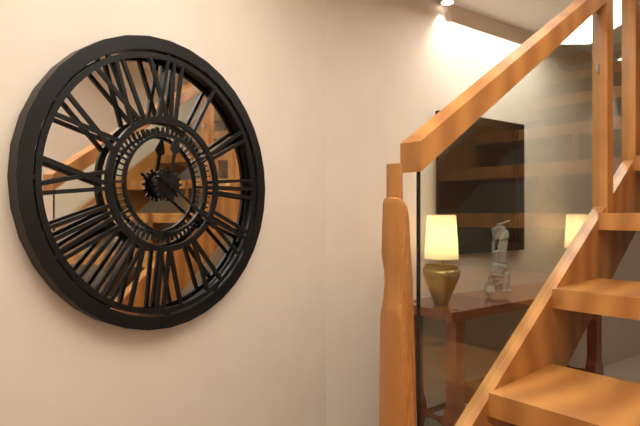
{"hour": 12, "minute": 21}
